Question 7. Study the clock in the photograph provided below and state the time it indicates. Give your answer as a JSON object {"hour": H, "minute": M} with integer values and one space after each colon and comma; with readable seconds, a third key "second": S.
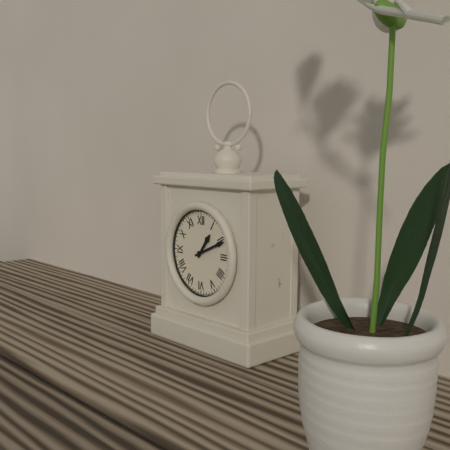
{"hour": 1, "minute": 11}
